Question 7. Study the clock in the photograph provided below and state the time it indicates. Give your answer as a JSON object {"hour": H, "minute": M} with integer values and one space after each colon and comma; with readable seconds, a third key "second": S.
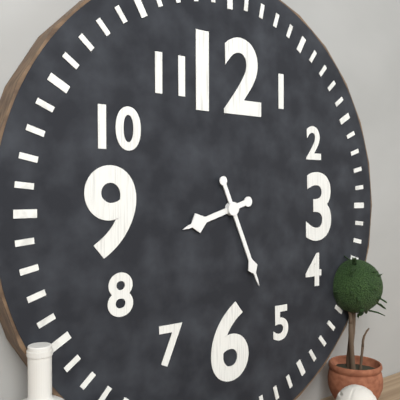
{"hour": 8, "minute": 26}
